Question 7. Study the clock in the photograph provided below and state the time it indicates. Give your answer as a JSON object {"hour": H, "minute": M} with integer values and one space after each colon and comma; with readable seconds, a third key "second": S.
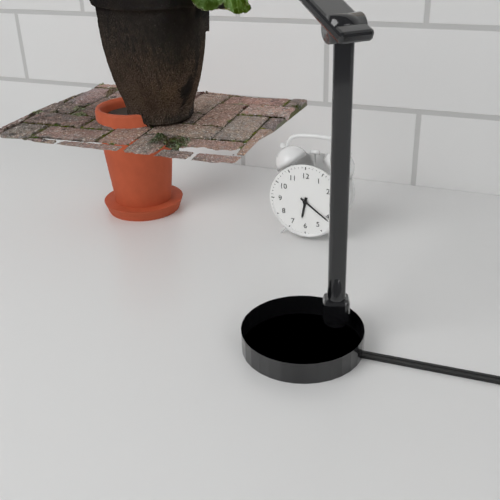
{"hour": 6, "minute": 21}
